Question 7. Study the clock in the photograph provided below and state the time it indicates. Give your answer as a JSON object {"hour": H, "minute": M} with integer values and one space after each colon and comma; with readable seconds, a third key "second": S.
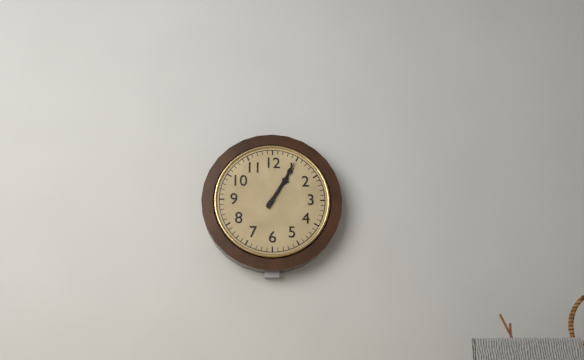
{"hour": 1, "minute": 5}
